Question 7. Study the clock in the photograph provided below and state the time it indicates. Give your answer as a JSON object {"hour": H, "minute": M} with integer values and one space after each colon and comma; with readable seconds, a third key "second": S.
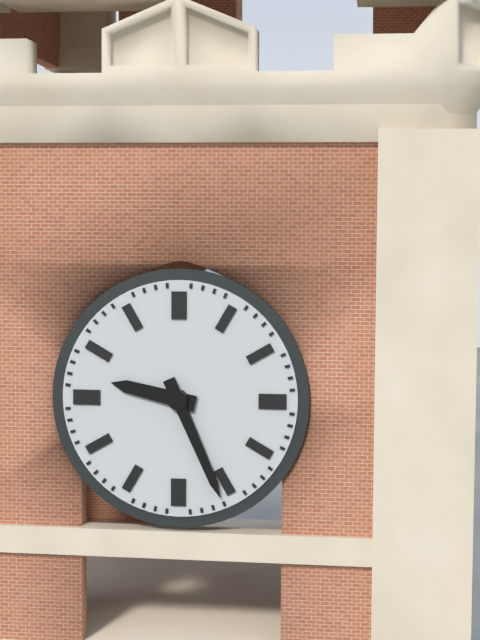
{"hour": 9, "minute": 26}
